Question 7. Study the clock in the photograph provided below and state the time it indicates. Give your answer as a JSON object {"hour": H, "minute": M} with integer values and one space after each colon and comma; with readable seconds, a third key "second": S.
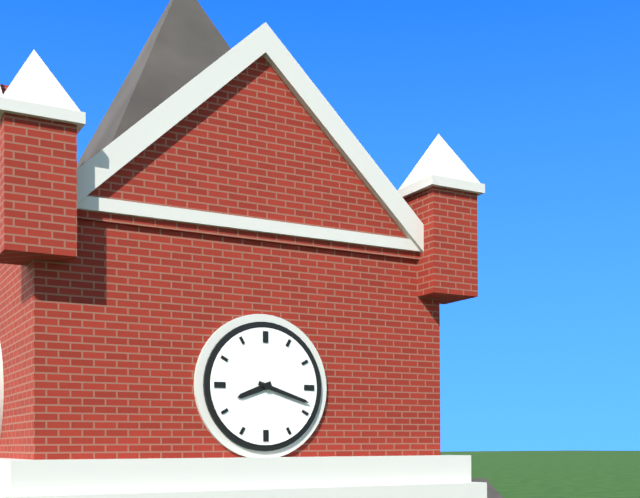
{"hour": 8, "minute": 18}
